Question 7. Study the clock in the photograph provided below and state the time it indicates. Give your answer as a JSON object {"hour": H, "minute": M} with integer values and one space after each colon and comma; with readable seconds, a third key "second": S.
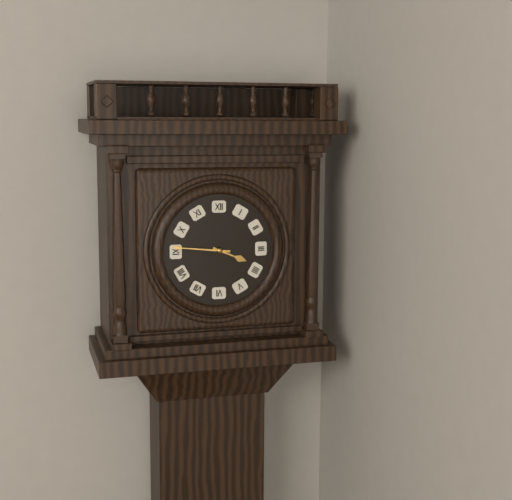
{"hour": 3, "minute": 46}
